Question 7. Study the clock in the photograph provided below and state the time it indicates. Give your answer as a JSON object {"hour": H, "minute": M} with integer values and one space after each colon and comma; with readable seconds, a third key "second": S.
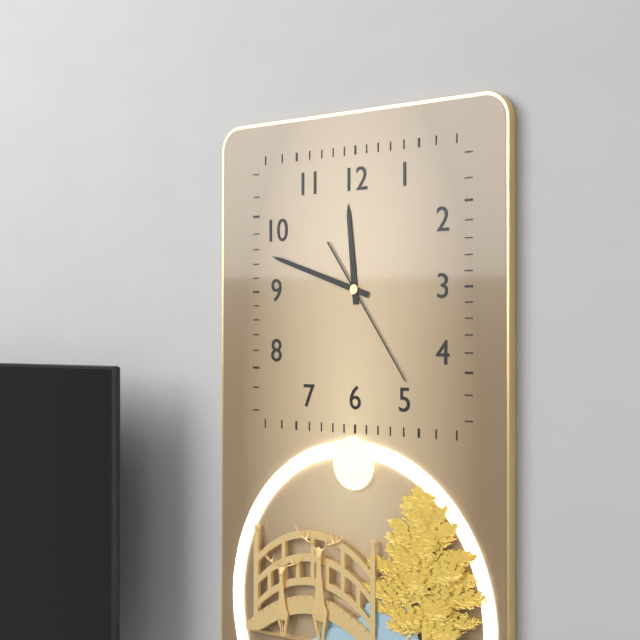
{"hour": 11, "minute": 48, "second": 24}
